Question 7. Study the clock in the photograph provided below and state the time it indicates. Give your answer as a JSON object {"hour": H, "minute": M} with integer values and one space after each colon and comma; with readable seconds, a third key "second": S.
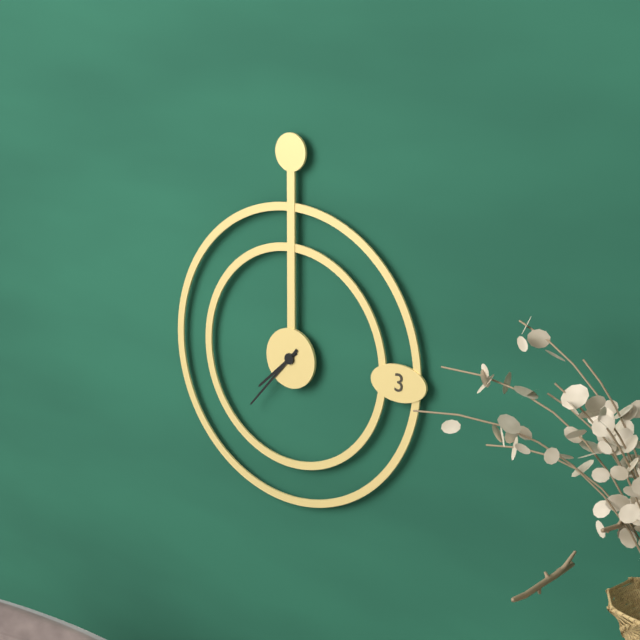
{"hour": 7, "minute": 37}
